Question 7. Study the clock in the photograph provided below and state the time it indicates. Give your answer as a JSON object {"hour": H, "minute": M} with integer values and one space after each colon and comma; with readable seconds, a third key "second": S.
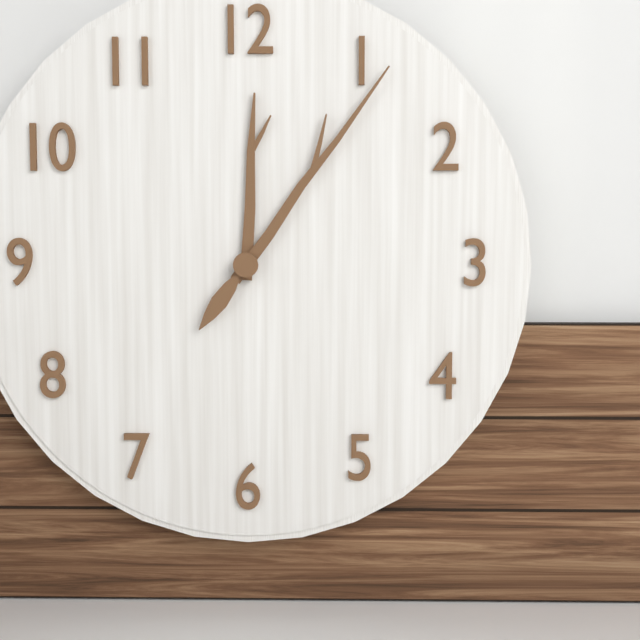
{"hour": 12, "minute": 6, "second": 36}
